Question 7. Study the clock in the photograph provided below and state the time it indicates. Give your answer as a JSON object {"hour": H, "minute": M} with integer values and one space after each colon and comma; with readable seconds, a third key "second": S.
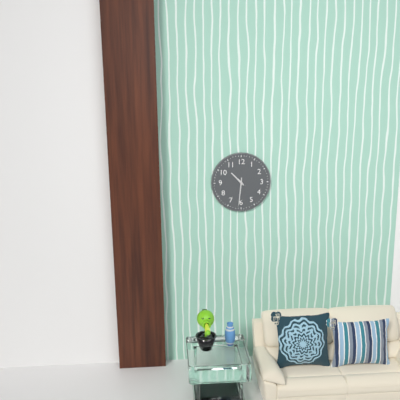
{"hour": 10, "minute": 31}
